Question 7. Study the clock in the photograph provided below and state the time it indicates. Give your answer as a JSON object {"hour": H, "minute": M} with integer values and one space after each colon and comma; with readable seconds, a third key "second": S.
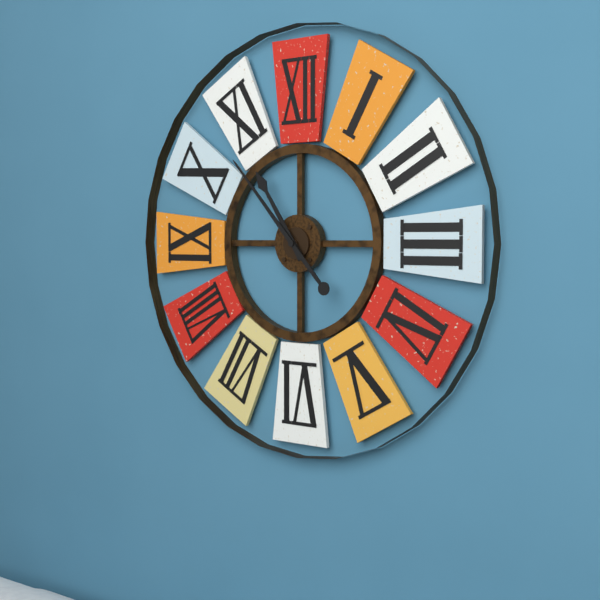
{"hour": 10, "minute": 53}
